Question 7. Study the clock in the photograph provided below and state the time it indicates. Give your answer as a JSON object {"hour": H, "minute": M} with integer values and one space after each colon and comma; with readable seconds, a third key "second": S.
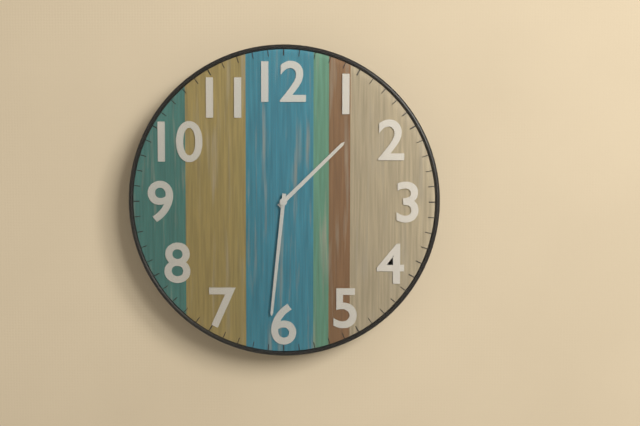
{"hour": 1, "minute": 31}
